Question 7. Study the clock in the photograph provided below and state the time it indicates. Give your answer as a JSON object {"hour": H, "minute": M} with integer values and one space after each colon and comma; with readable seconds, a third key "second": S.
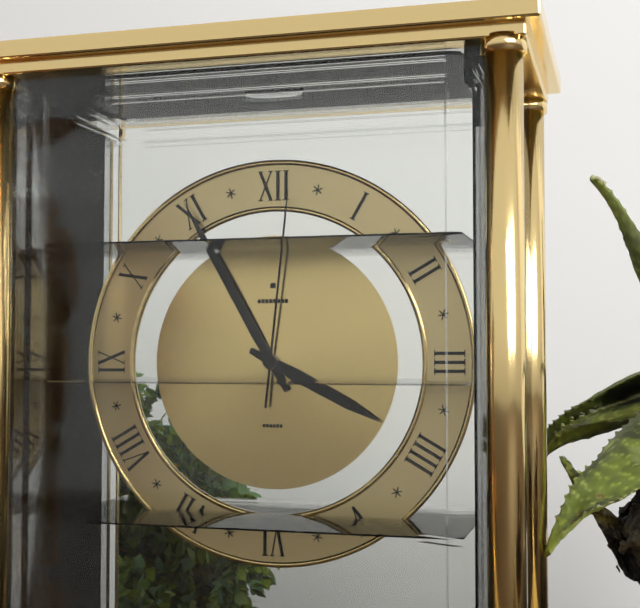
{"hour": 3, "minute": 55, "second": 1}
